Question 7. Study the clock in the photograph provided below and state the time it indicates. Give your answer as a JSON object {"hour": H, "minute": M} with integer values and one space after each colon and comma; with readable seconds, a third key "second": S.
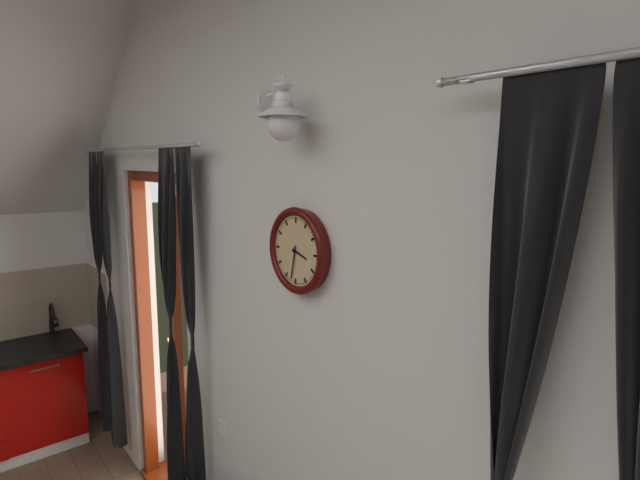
{"hour": 3, "minute": 32}
